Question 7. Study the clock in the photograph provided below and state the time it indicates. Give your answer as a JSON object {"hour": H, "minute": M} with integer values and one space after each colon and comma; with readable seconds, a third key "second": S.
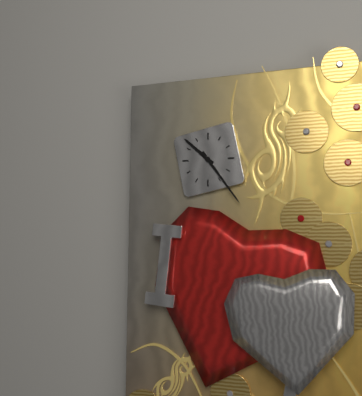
{"hour": 10, "minute": 24}
